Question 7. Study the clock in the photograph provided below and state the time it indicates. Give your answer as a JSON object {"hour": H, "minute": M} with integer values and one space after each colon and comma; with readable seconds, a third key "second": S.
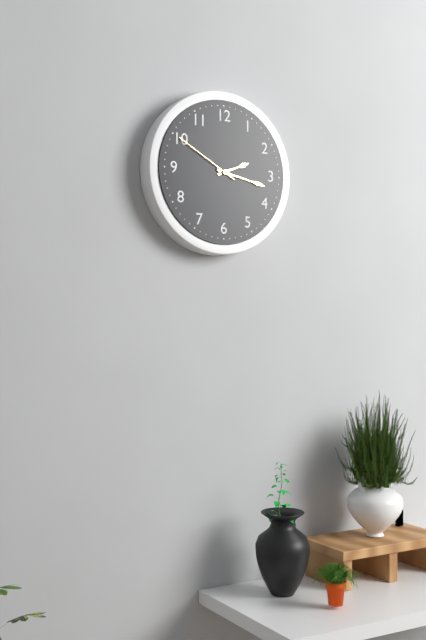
{"hour": 2, "minute": 17, "second": 50}
